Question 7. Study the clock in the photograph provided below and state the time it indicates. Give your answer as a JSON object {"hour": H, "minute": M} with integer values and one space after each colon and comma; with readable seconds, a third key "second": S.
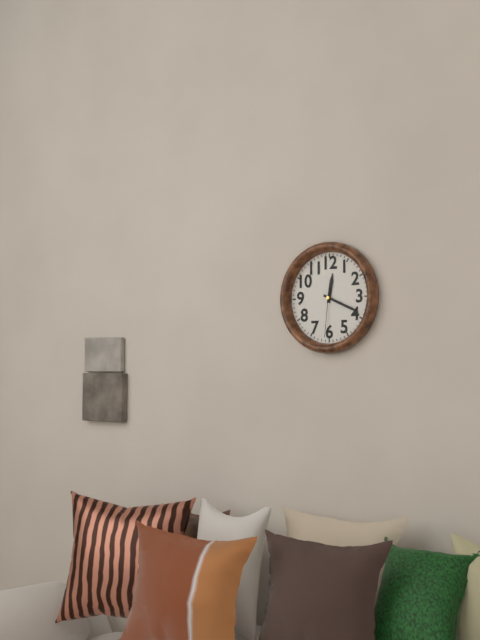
{"hour": 12, "minute": 19}
